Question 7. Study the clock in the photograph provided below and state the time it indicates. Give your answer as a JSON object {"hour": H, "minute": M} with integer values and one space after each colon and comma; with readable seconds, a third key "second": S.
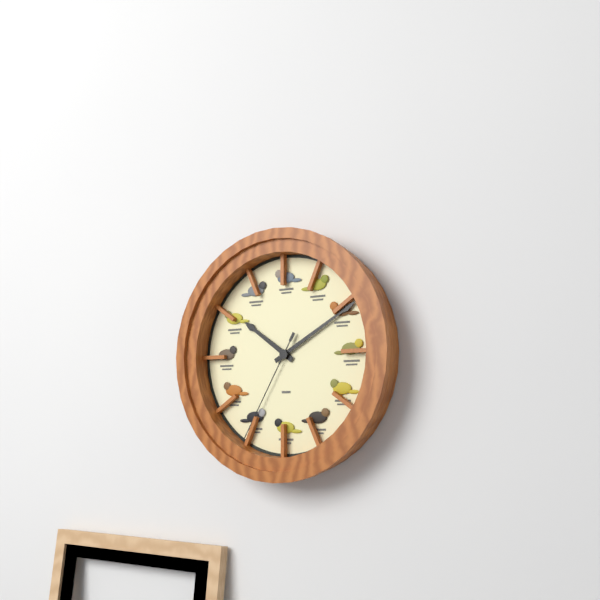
{"hour": 10, "minute": 10, "second": 35}
